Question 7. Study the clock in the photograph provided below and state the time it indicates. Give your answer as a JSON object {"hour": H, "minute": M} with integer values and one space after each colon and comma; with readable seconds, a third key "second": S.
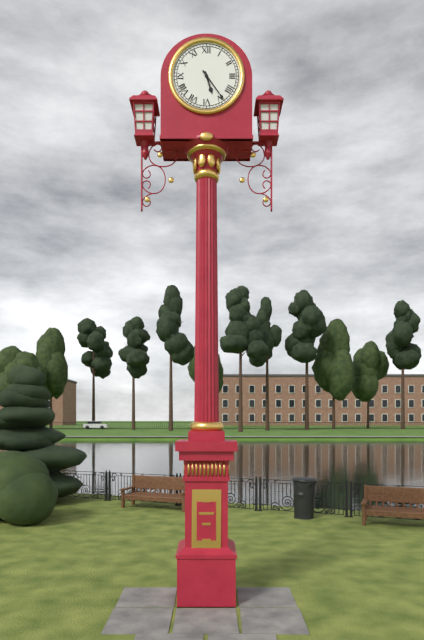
{"hour": 5, "minute": 24}
